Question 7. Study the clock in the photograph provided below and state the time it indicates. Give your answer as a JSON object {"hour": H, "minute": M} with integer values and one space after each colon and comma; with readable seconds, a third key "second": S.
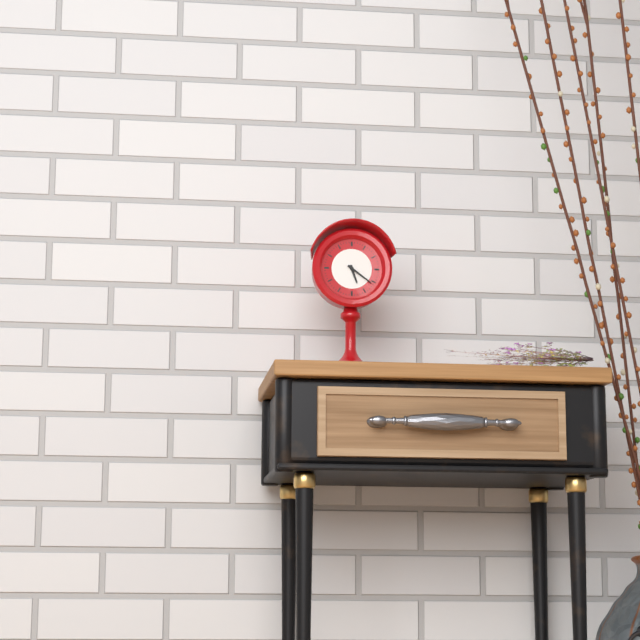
{"hour": 5, "minute": 21}
